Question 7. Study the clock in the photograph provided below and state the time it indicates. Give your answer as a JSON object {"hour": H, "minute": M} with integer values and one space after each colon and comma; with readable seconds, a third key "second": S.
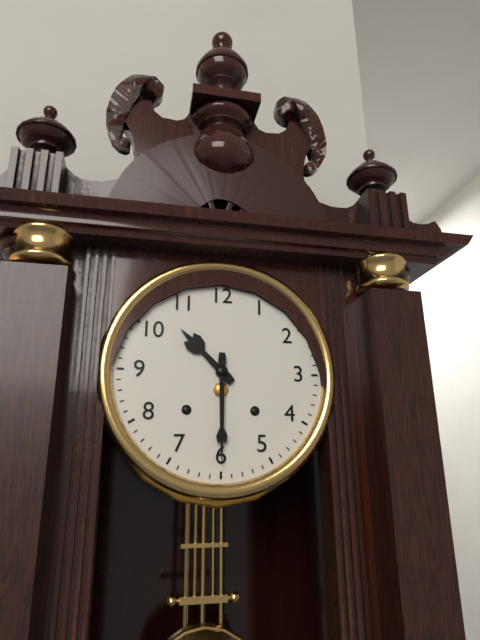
{"hour": 10, "minute": 30}
